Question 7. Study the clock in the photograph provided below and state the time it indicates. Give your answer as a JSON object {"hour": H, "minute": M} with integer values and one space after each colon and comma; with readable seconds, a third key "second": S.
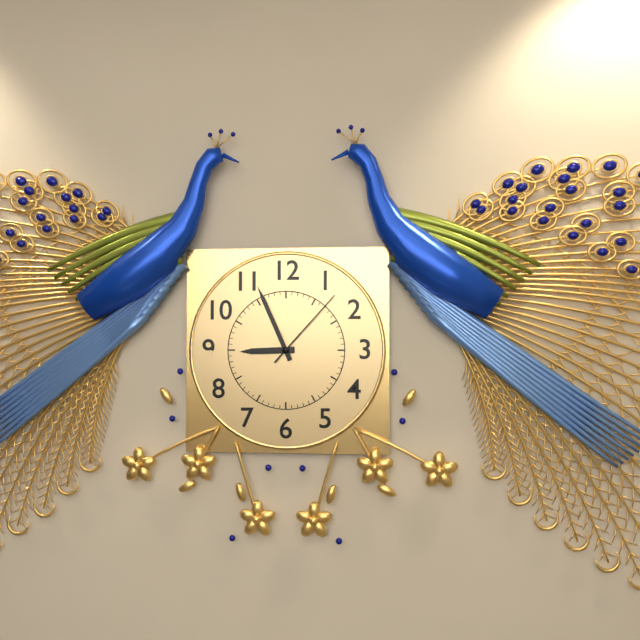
{"hour": 8, "minute": 56, "second": 7}
